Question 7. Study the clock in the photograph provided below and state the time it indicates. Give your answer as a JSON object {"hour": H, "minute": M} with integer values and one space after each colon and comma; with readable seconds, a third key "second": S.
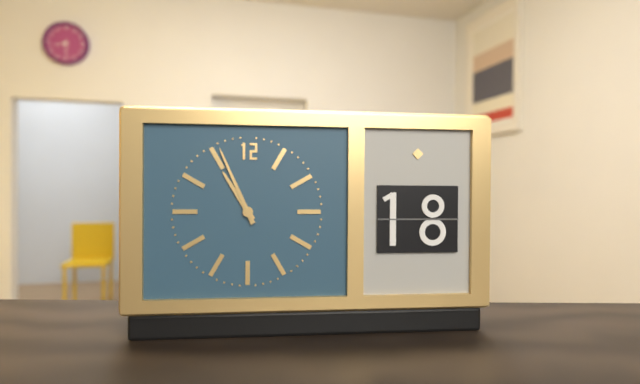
{"hour": 10, "minute": 56}
